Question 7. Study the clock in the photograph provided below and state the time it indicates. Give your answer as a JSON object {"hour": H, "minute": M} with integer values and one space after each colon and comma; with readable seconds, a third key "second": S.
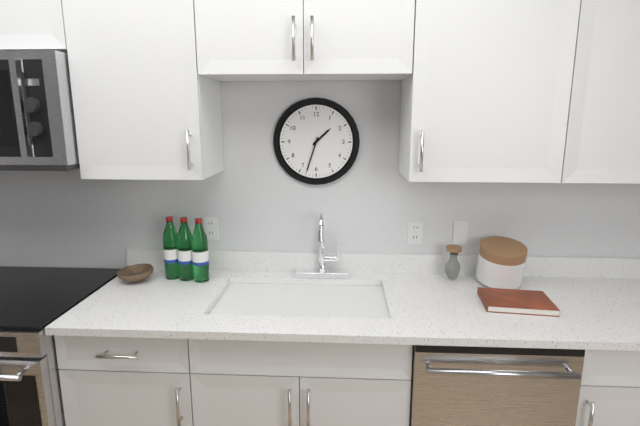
{"hour": 1, "minute": 33}
